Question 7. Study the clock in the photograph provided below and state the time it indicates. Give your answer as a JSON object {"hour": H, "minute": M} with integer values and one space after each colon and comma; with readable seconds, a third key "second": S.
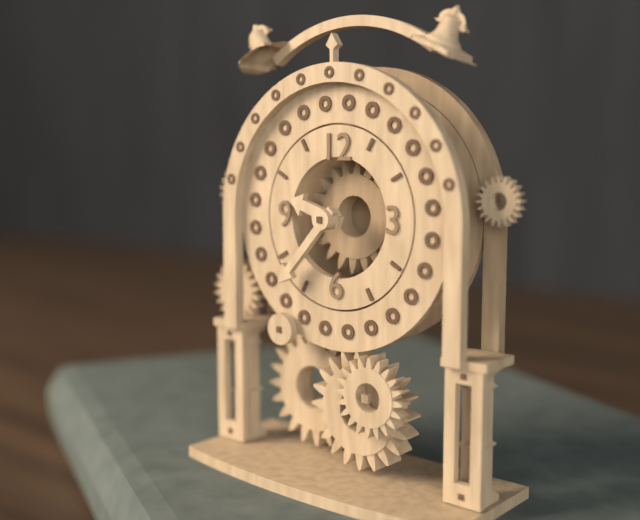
{"hour": 9, "minute": 37}
